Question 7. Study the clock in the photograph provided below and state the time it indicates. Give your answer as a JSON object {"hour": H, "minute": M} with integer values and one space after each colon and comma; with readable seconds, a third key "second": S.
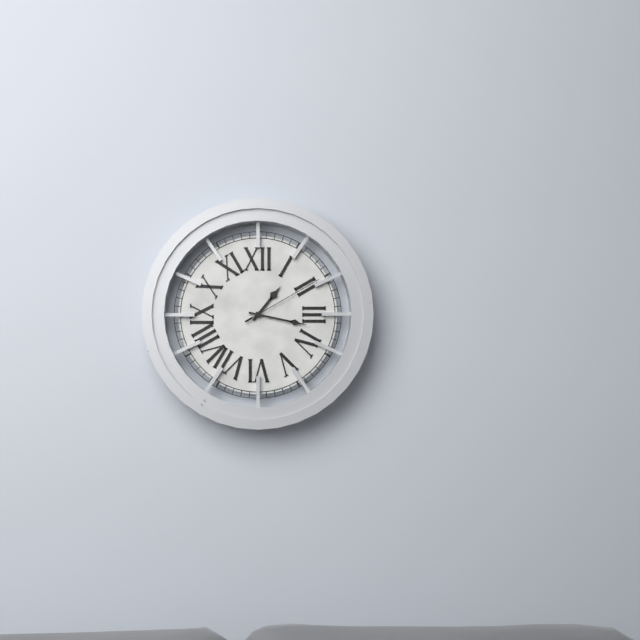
{"hour": 1, "minute": 17, "second": 10}
